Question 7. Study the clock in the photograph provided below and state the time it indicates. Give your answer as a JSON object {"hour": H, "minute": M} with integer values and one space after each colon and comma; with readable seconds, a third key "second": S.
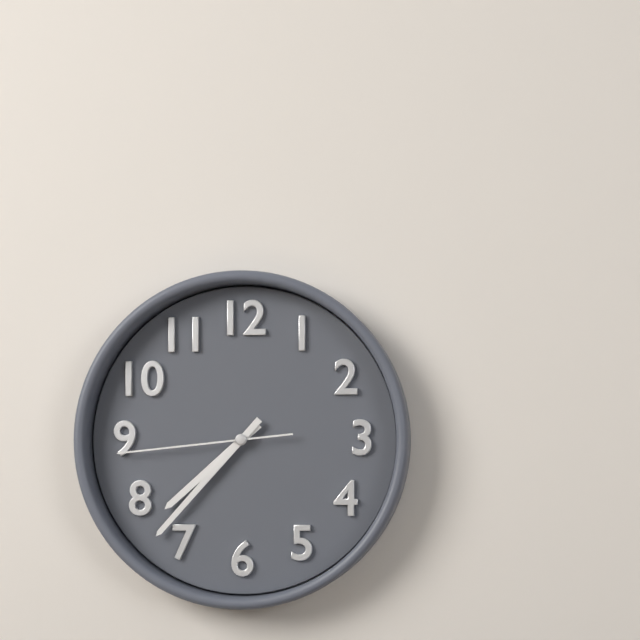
{"hour": 7, "minute": 37, "second": 44}
